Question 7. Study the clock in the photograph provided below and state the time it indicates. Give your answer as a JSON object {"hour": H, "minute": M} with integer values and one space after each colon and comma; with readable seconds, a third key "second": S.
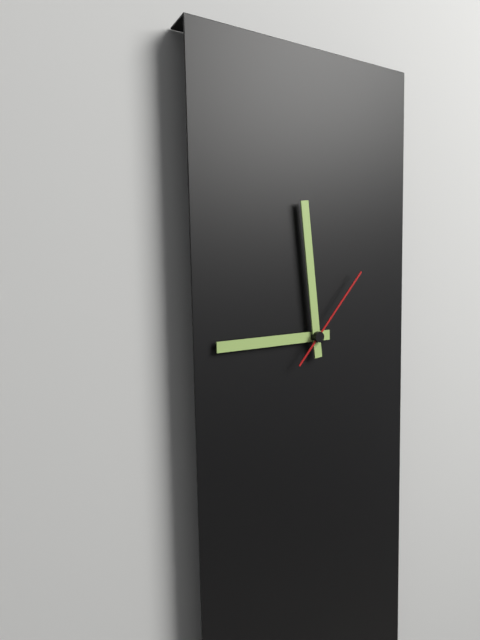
{"hour": 8, "minute": 59, "second": 7}
